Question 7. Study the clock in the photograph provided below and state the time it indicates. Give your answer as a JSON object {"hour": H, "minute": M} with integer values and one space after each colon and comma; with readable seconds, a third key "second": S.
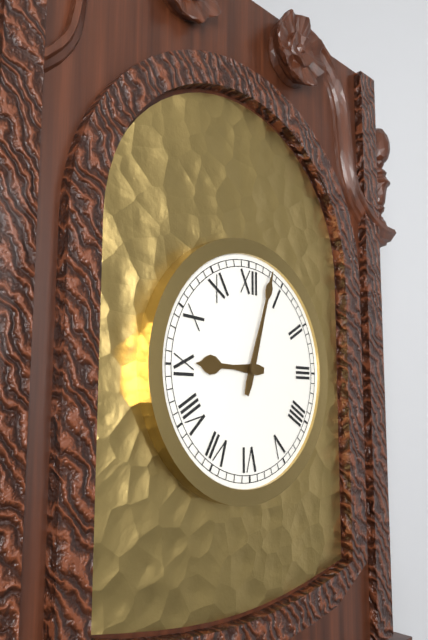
{"hour": 9, "minute": 3}
